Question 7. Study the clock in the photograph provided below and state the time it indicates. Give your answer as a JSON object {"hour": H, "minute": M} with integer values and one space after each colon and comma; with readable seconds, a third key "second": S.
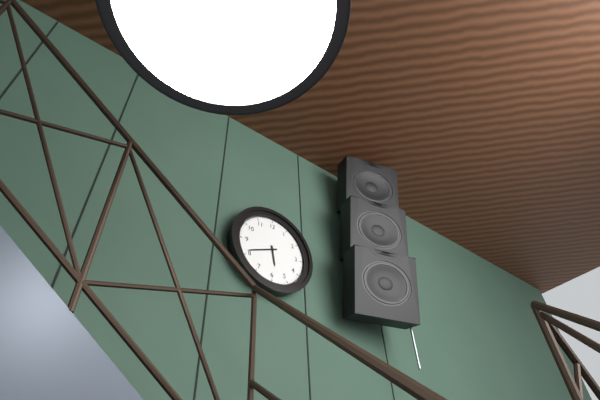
{"hour": 5, "minute": 41}
